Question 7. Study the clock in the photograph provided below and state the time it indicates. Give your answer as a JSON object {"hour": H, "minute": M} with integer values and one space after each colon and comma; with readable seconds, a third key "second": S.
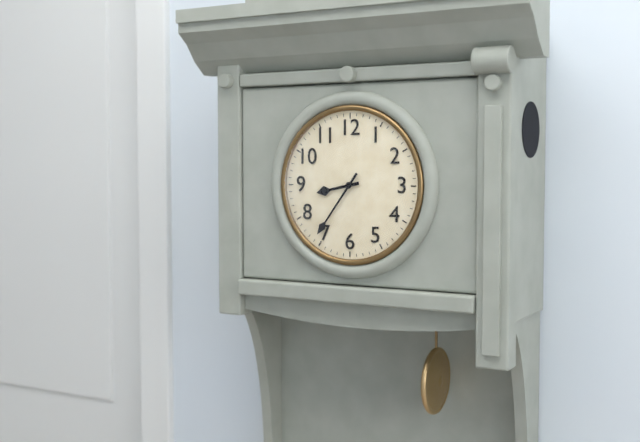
{"hour": 8, "minute": 36}
